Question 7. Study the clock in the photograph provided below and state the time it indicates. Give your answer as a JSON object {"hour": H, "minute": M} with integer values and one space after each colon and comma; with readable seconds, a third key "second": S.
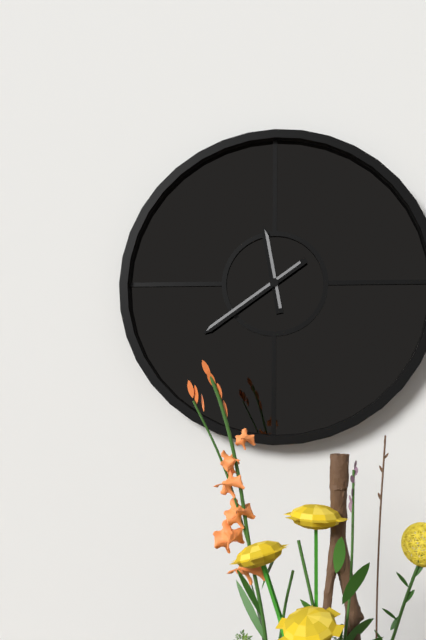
{"hour": 11, "minute": 39}
